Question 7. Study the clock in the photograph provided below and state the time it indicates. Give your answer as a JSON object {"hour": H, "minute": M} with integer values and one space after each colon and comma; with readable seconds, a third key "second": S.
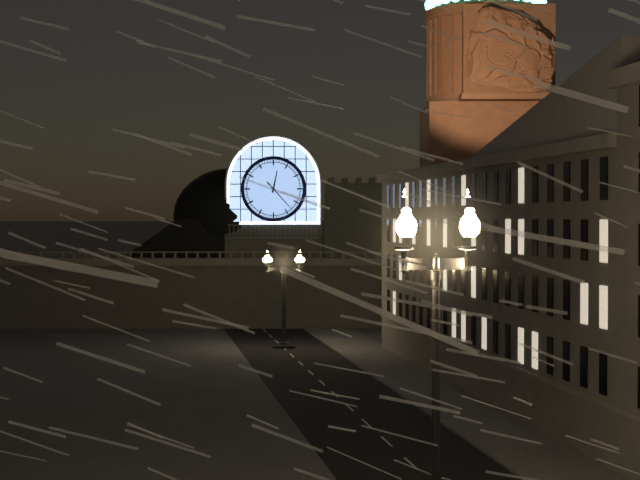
{"hour": 12, "minute": 23}
